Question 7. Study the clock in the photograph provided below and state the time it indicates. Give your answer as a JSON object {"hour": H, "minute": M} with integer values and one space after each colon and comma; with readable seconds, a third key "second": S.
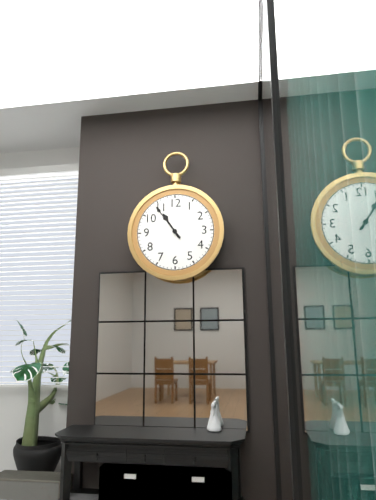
{"hour": 10, "minute": 54}
